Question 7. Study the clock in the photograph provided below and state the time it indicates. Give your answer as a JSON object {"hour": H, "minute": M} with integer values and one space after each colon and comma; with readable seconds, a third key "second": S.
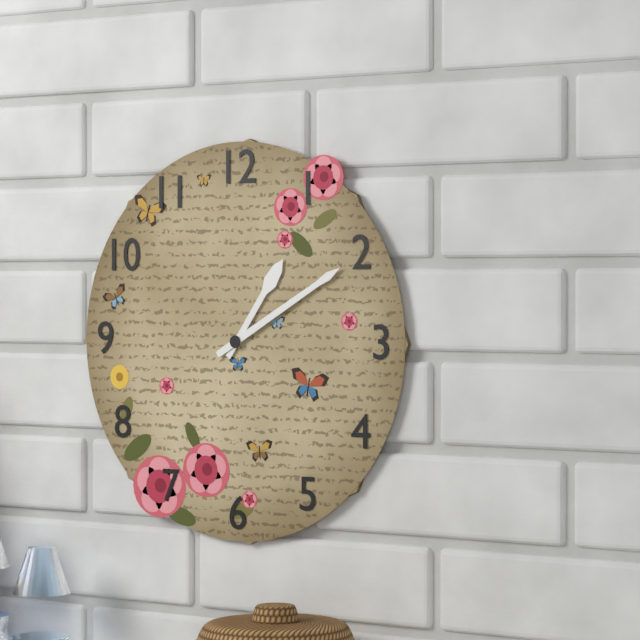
{"hour": 1, "minute": 10}
